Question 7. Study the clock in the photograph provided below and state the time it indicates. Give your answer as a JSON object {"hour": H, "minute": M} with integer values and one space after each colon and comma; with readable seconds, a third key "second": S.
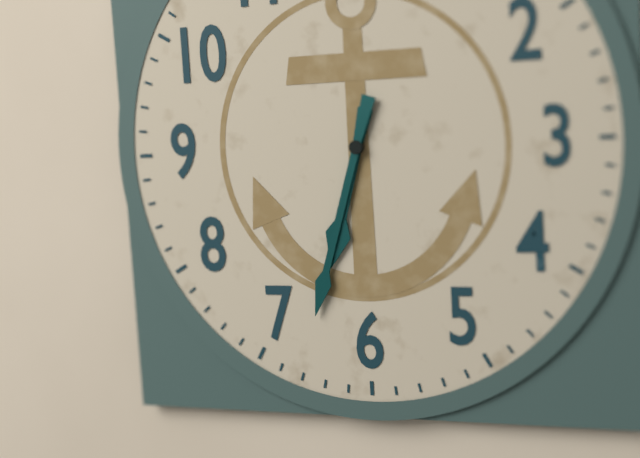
{"hour": 6, "minute": 33}
